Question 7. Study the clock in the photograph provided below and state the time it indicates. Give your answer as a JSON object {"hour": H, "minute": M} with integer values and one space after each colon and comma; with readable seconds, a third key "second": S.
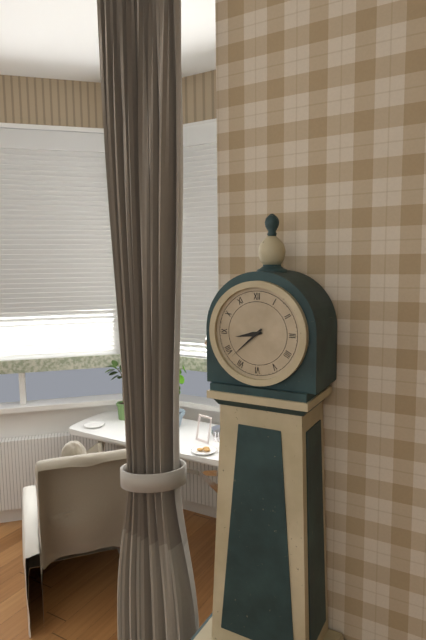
{"hour": 8, "minute": 38}
